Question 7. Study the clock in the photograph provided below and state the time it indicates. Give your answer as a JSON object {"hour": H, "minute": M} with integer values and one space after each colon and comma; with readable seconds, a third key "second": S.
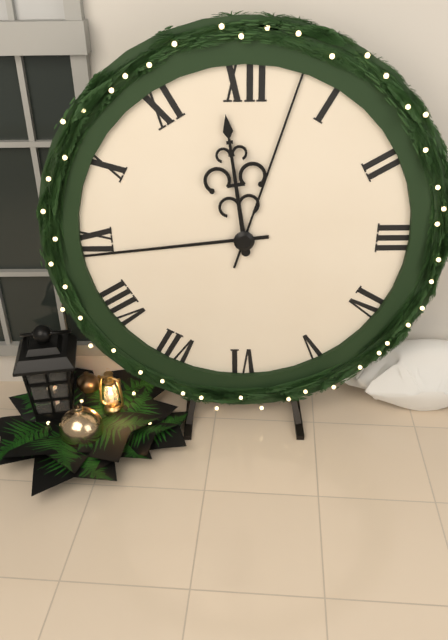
{"hour": 11, "minute": 44, "second": 3}
